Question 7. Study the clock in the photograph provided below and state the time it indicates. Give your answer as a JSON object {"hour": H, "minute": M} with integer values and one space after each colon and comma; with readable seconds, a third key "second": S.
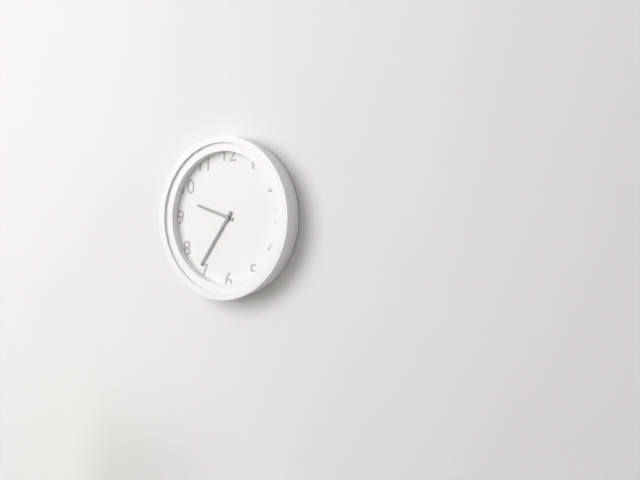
{"hour": 9, "minute": 36}
